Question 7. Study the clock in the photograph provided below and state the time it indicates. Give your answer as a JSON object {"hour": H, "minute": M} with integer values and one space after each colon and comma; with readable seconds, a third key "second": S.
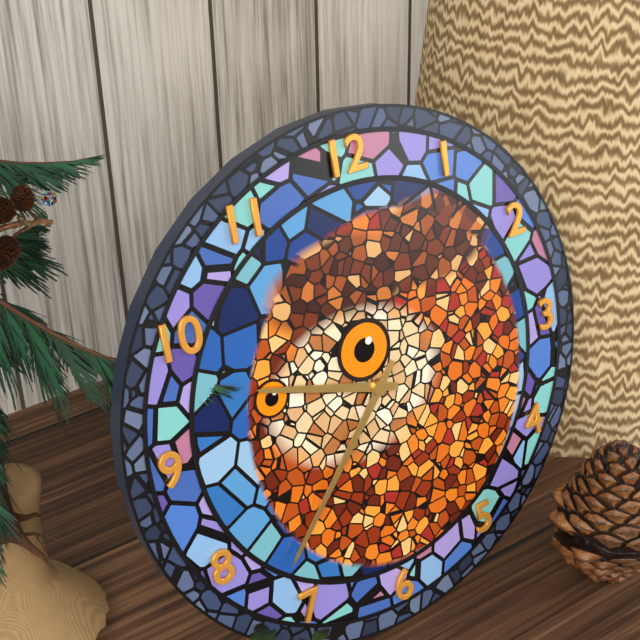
{"hour": 9, "minute": 37}
